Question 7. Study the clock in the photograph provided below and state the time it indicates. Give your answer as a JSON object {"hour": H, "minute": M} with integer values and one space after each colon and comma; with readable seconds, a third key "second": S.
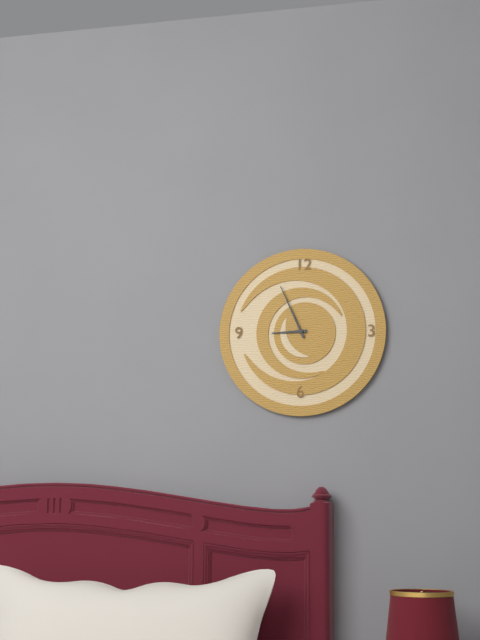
{"hour": 8, "minute": 56}
